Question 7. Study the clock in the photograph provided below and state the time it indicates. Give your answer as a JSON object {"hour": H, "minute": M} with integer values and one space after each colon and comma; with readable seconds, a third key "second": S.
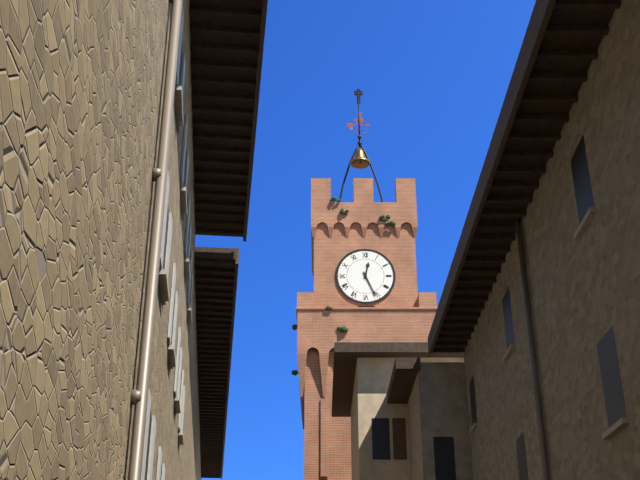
{"hour": 12, "minute": 26}
